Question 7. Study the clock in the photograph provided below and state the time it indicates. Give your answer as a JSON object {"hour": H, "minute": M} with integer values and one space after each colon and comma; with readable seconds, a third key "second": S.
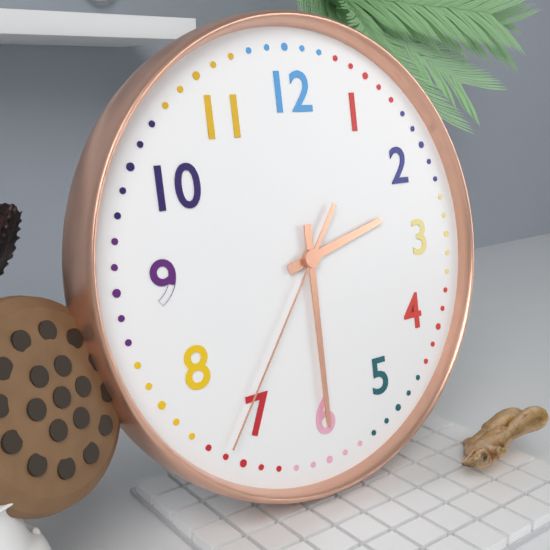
{"hour": 2, "minute": 30, "second": 36}
